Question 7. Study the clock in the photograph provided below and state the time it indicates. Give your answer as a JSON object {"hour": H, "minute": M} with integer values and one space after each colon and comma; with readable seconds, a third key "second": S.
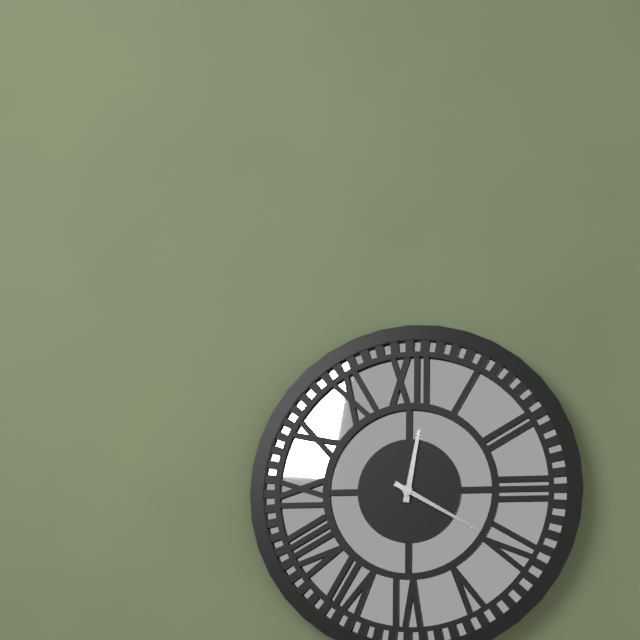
{"hour": 12, "minute": 20}
